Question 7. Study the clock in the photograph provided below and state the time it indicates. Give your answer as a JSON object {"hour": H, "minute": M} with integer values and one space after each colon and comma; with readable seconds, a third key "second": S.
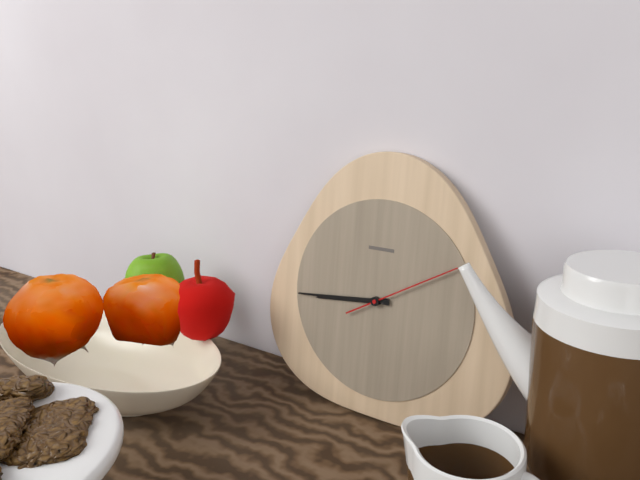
{"hour": 8, "minute": 44, "second": 10}
